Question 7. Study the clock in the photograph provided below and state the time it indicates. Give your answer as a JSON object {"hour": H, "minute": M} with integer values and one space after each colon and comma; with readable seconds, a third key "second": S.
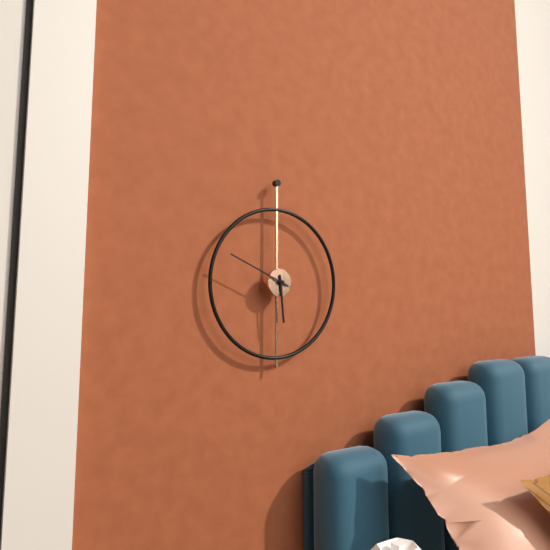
{"hour": 5, "minute": 49}
